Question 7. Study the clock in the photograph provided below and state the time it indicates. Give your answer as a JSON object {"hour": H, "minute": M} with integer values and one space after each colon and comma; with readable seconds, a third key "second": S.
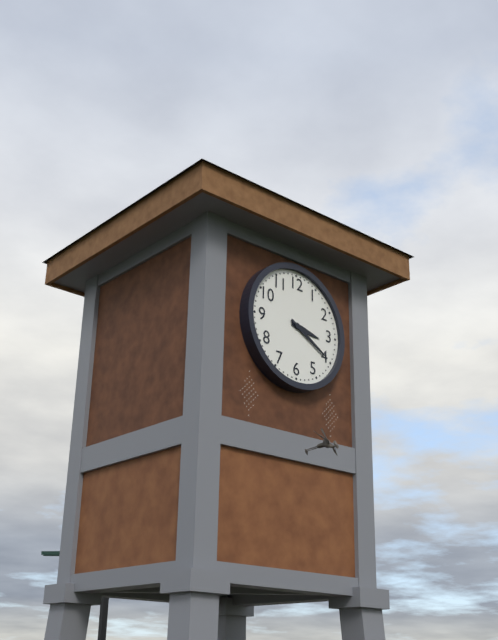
{"hour": 3, "minute": 20}
